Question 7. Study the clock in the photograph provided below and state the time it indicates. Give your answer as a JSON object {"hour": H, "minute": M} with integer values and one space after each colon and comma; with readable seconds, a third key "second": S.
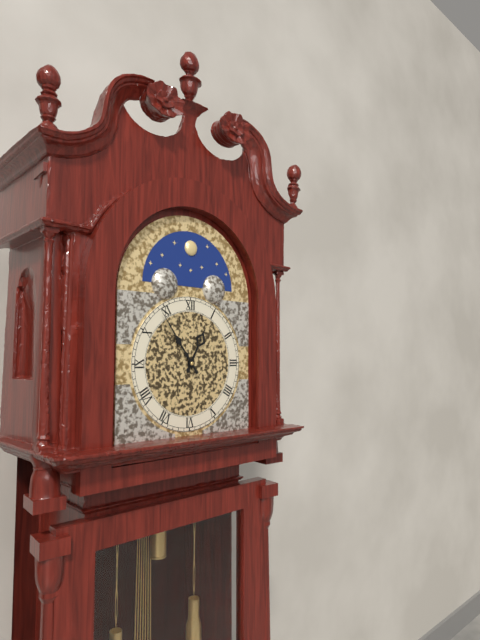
{"hour": 12, "minute": 54}
